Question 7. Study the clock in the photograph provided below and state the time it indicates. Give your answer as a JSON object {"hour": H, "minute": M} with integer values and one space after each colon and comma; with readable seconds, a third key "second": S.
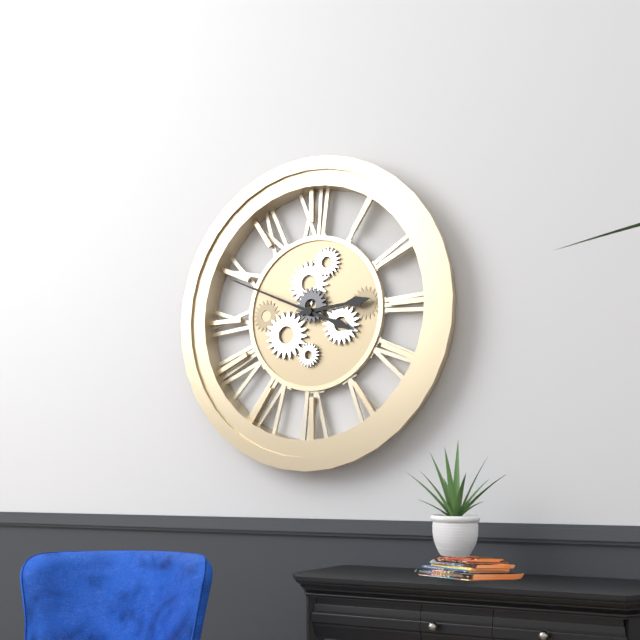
{"hour": 2, "minute": 49}
